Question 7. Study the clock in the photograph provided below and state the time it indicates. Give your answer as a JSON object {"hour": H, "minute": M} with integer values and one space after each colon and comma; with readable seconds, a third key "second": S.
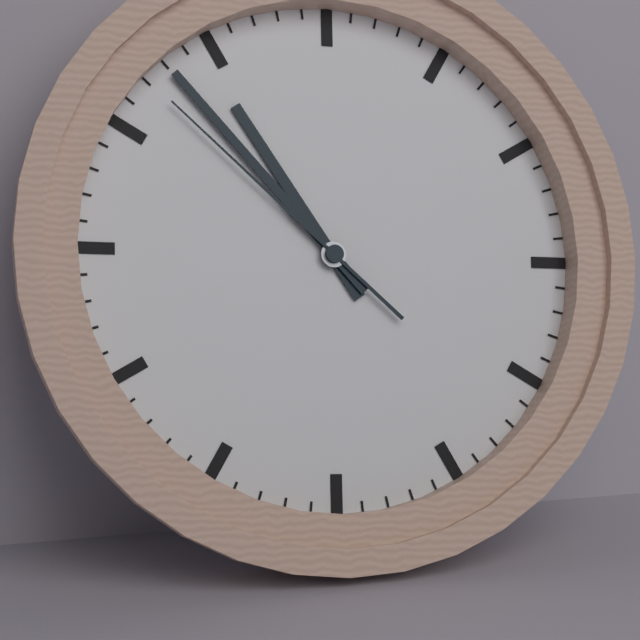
{"hour": 10, "minute": 53, "second": 52}
